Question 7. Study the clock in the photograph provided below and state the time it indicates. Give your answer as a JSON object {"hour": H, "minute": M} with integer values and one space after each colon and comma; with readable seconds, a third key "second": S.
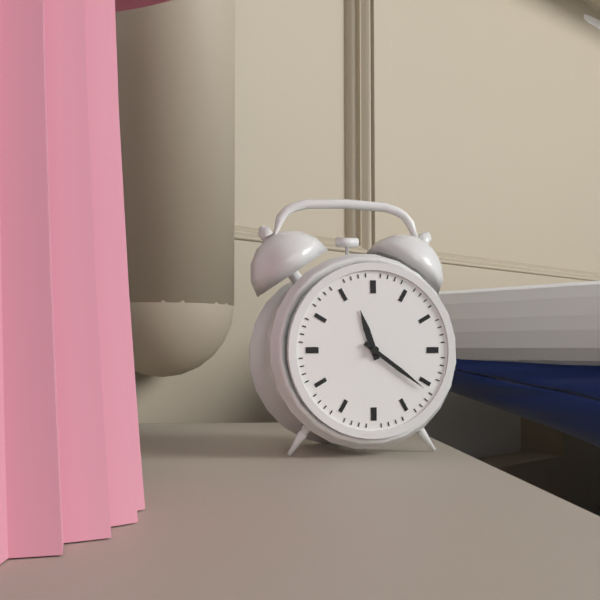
{"hour": 11, "minute": 21}
